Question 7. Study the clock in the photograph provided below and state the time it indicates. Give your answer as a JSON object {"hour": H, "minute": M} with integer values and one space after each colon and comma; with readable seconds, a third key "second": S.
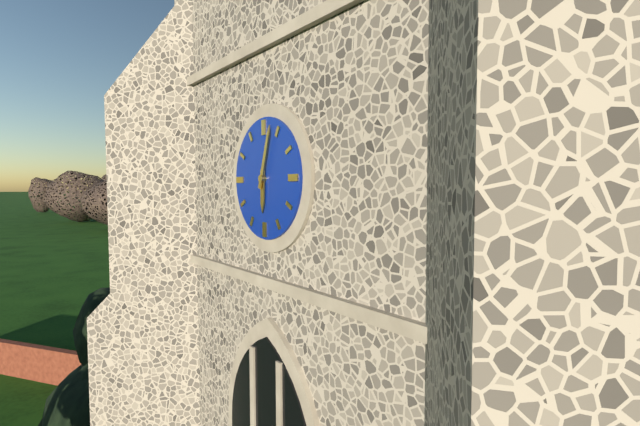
{"hour": 6, "minute": 3}
